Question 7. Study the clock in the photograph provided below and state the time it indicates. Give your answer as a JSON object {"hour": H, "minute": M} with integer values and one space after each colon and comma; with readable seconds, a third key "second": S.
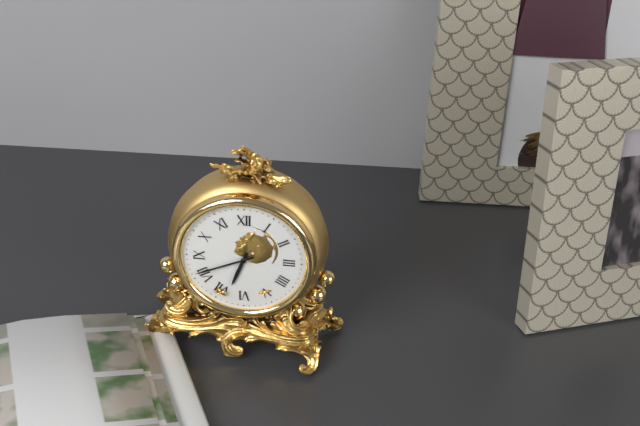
{"hour": 6, "minute": 41}
